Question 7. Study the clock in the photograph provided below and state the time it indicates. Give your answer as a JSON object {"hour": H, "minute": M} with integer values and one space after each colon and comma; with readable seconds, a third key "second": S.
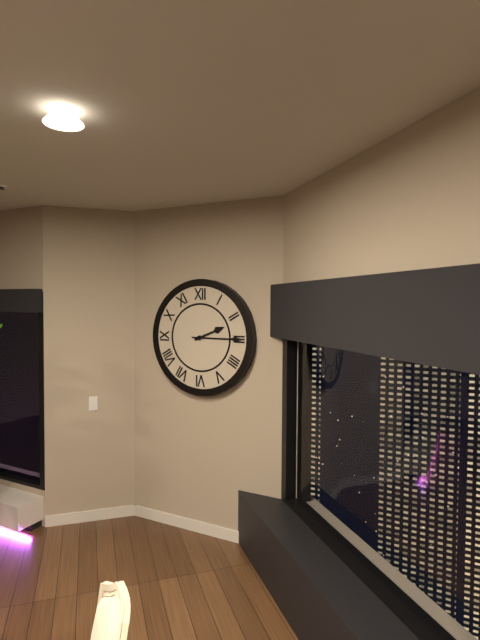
{"hour": 2, "minute": 15}
